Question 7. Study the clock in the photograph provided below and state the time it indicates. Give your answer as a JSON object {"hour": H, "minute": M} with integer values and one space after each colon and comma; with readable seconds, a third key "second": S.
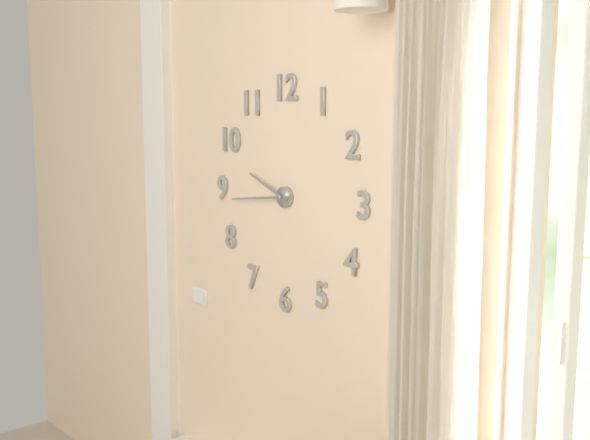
{"hour": 9, "minute": 44}
